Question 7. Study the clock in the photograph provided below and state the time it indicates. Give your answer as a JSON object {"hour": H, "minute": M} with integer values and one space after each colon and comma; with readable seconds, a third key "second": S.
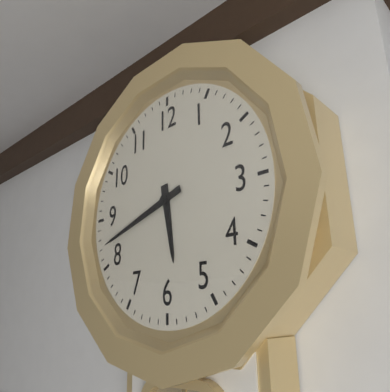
{"hour": 5, "minute": 42}
